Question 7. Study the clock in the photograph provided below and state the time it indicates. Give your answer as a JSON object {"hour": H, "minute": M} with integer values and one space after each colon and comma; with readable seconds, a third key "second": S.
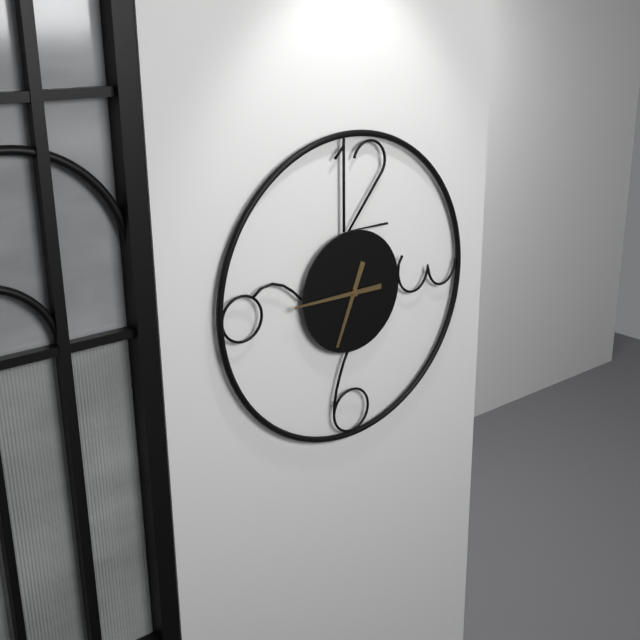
{"hour": 6, "minute": 45}
